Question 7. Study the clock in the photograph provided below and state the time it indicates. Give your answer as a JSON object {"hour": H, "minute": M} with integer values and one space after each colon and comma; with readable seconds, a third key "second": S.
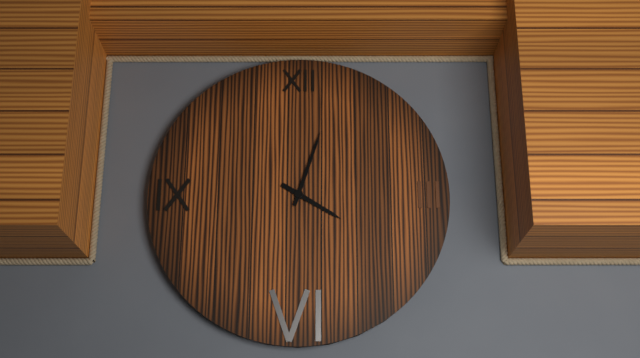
{"hour": 4, "minute": 3}
